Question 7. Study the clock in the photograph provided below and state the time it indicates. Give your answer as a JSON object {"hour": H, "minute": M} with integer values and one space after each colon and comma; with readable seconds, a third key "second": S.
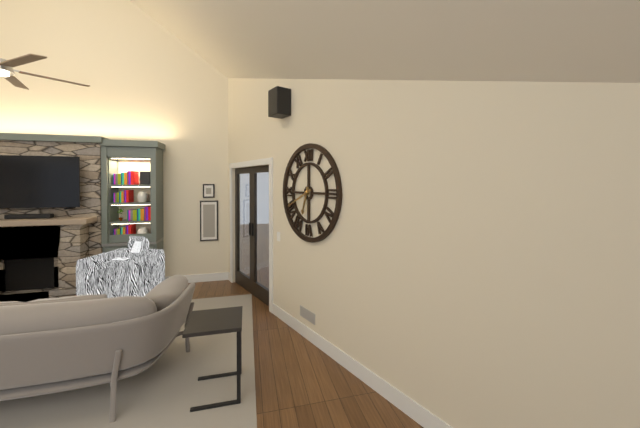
{"hour": 6, "minute": 41}
